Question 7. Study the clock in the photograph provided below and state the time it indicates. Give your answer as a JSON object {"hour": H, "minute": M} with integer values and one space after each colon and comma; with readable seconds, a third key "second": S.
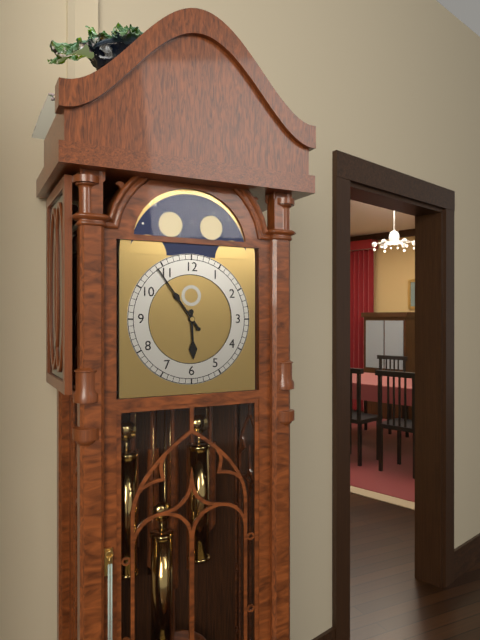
{"hour": 5, "minute": 54}
